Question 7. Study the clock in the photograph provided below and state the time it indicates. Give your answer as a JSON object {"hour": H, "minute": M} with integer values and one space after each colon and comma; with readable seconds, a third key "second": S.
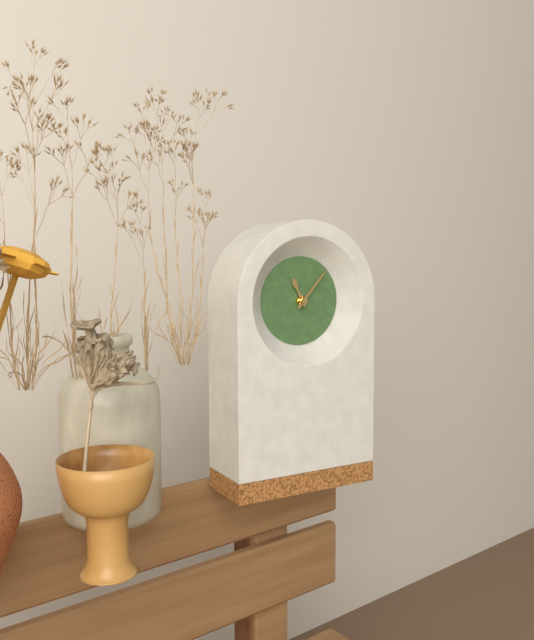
{"hour": 11, "minute": 7}
